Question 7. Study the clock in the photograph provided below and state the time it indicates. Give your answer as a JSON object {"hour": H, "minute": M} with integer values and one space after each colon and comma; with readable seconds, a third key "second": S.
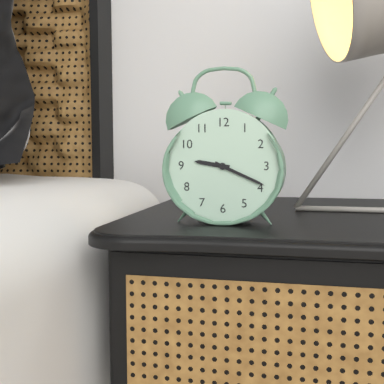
{"hour": 9, "minute": 19}
